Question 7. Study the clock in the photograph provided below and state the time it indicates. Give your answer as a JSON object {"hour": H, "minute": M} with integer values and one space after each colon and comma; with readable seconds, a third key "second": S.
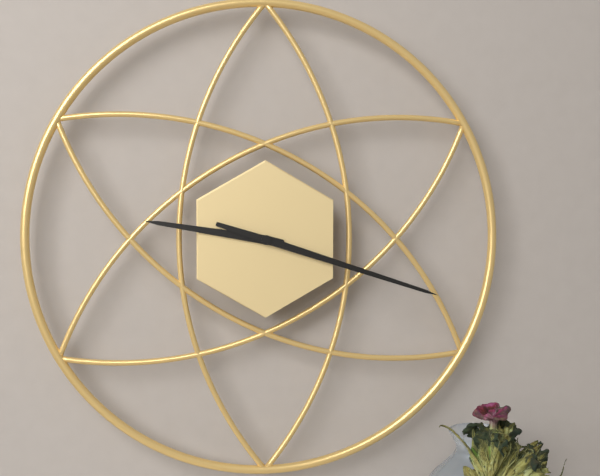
{"hour": 9, "minute": 18}
